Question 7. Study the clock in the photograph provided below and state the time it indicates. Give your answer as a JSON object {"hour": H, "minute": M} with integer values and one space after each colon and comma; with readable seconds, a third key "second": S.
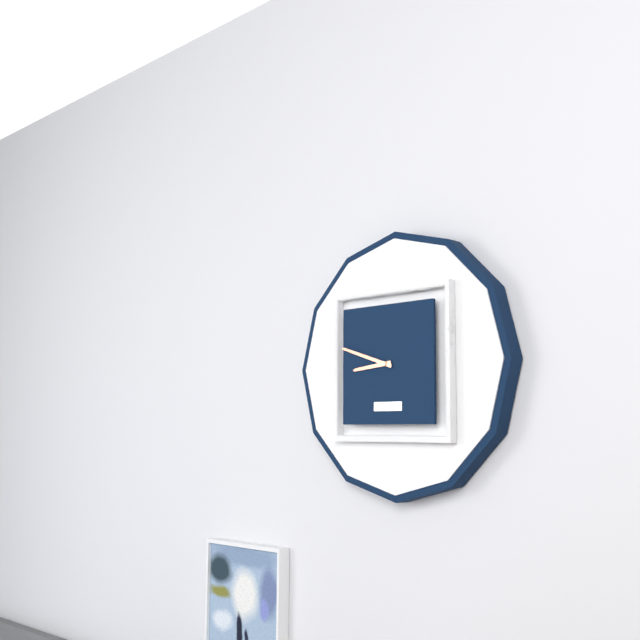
{"hour": 8, "minute": 48}
